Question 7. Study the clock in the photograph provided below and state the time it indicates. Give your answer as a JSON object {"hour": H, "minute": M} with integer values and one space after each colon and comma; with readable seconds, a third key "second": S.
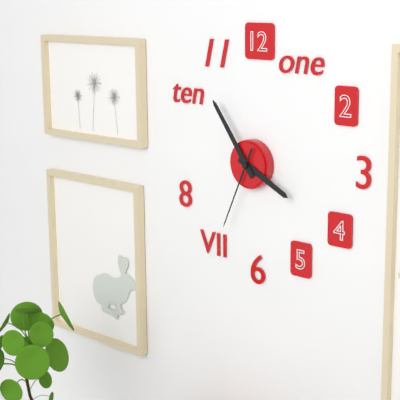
{"hour": 3, "minute": 54, "second": 34}
